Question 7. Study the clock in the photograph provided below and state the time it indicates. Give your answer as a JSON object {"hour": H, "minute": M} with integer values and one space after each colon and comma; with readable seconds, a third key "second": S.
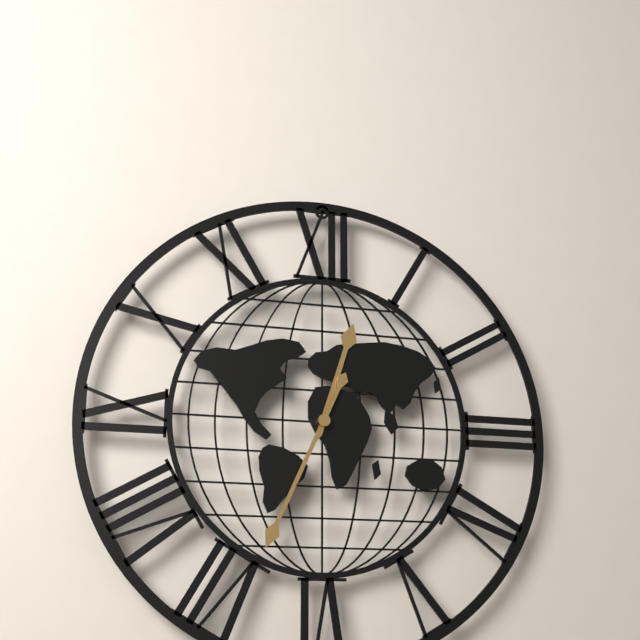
{"hour": 12, "minute": 34}
